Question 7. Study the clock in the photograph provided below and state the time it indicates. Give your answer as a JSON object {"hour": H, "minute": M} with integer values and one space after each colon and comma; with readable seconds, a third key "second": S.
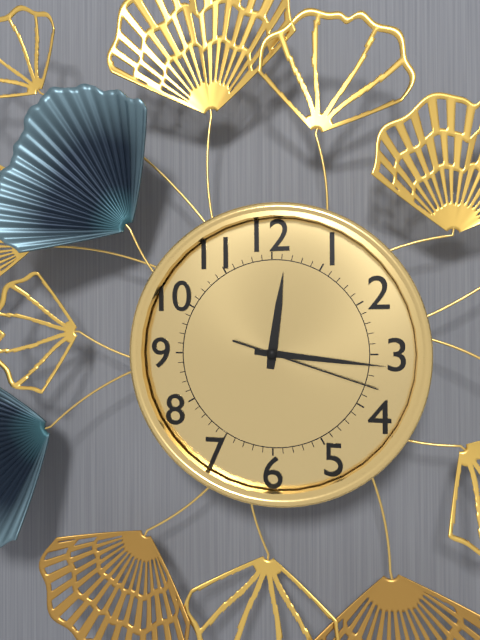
{"hour": 12, "minute": 16, "second": 18}
